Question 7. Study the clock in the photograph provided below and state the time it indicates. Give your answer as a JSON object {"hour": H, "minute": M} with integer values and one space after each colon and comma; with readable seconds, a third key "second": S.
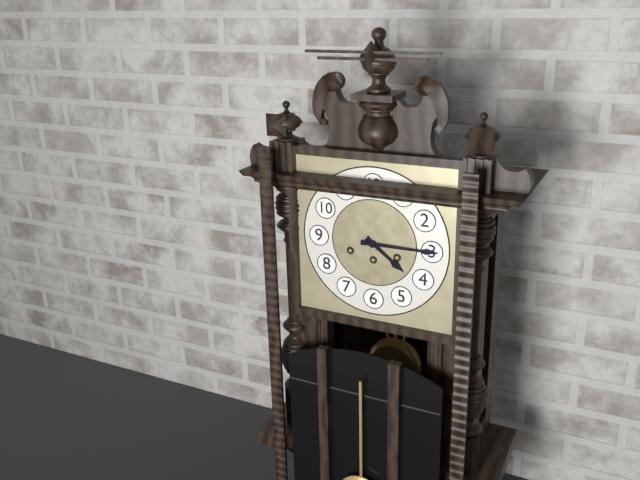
{"hour": 4, "minute": 15}
